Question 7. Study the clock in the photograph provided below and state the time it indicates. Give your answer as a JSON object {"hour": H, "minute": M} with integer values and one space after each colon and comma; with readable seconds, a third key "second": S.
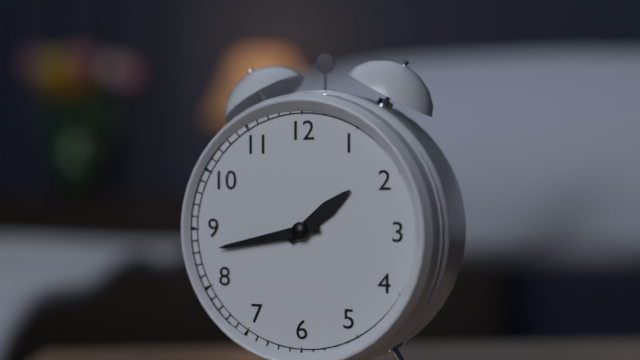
{"hour": 1, "minute": 43}
